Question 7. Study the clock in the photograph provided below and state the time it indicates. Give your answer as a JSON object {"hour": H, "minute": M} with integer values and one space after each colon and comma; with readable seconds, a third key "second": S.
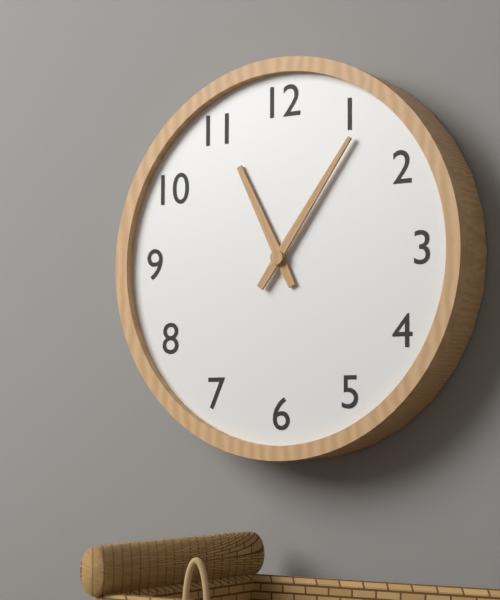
{"hour": 11, "minute": 6}
